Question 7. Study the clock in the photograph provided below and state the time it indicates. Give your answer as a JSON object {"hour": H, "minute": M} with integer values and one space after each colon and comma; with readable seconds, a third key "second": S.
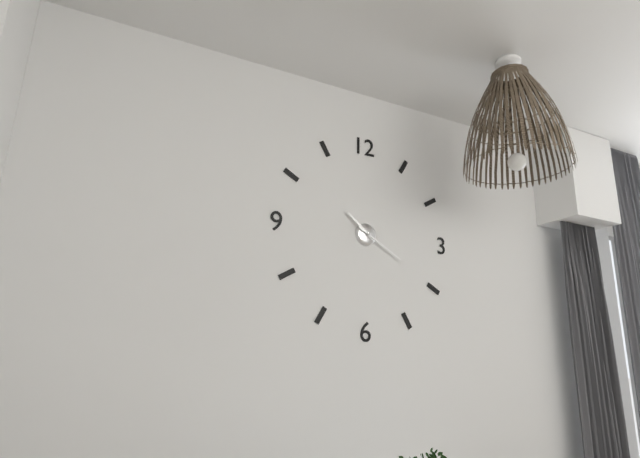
{"hour": 10, "minute": 20}
